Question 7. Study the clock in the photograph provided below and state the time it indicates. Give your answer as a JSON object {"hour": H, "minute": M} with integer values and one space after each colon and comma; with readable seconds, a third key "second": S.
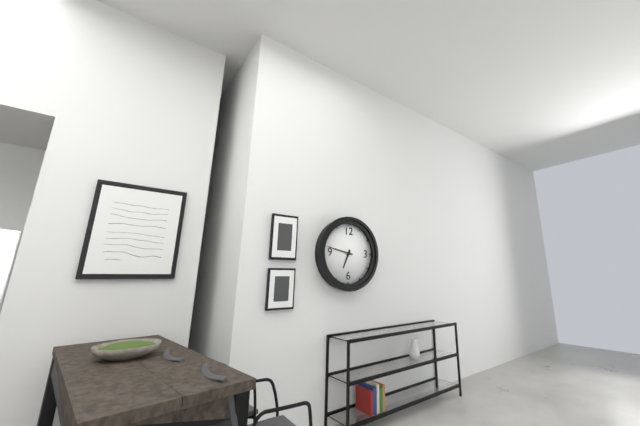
{"hour": 6, "minute": 47}
